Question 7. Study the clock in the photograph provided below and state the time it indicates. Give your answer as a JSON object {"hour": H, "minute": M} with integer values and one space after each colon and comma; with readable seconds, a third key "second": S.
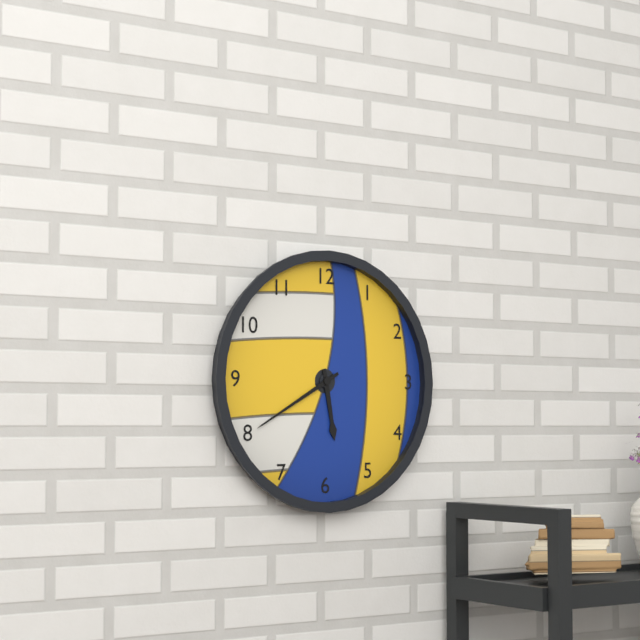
{"hour": 5, "minute": 40}
